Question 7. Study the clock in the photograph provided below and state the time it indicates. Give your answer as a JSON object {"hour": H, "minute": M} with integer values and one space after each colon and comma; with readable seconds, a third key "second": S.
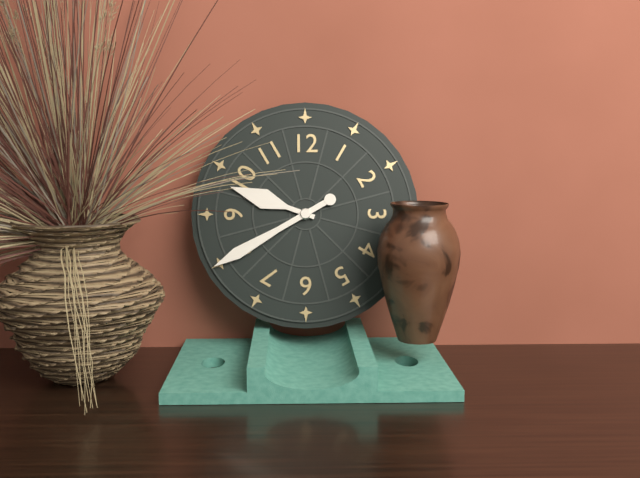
{"hour": 9, "minute": 40}
